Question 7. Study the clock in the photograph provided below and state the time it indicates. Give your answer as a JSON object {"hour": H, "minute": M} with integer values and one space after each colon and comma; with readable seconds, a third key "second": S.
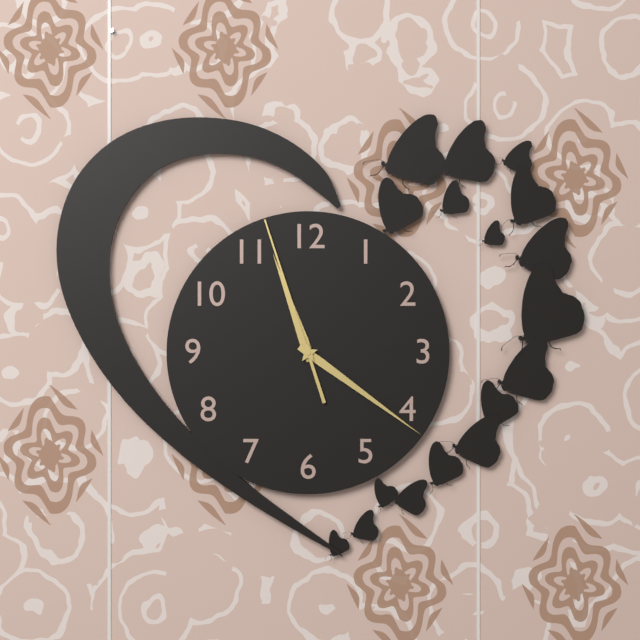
{"hour": 11, "minute": 21, "second": 57}
